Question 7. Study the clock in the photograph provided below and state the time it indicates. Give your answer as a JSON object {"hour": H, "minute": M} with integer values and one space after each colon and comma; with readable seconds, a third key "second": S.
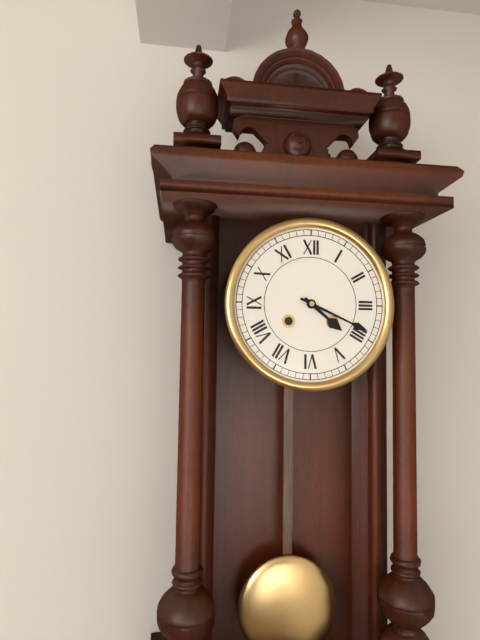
{"hour": 4, "minute": 19}
